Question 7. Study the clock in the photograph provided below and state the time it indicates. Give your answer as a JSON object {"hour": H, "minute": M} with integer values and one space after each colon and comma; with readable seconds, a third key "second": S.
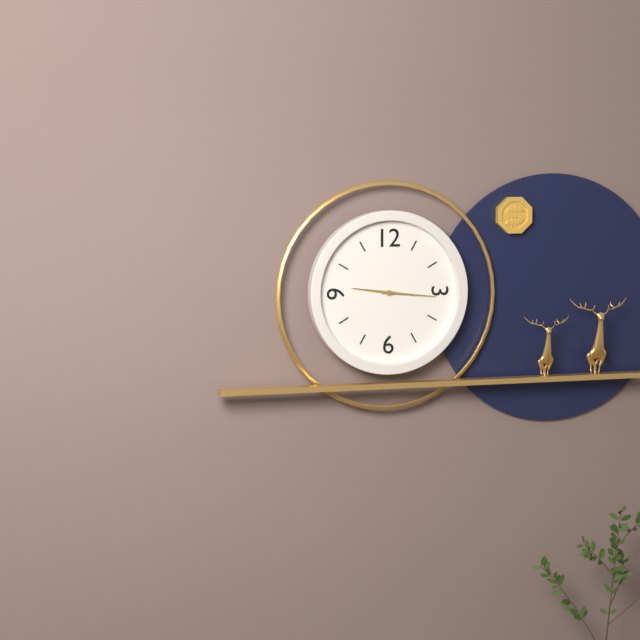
{"hour": 9, "minute": 16}
